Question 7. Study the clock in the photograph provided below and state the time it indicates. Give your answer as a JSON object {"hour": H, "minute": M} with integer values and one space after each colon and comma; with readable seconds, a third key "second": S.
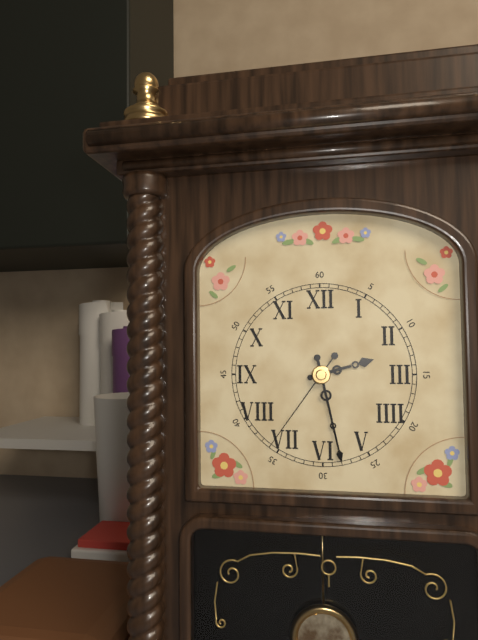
{"hour": 2, "minute": 28, "second": 36}
